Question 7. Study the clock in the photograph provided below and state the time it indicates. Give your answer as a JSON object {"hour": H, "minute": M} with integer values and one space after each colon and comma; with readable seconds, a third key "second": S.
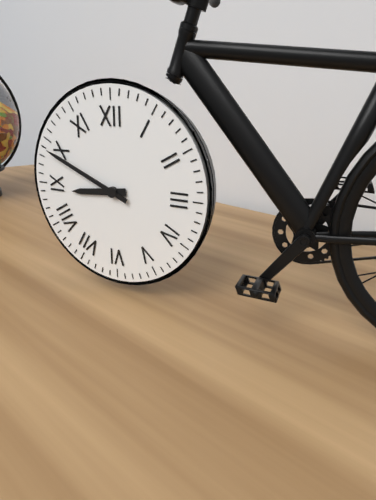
{"hour": 8, "minute": 49}
